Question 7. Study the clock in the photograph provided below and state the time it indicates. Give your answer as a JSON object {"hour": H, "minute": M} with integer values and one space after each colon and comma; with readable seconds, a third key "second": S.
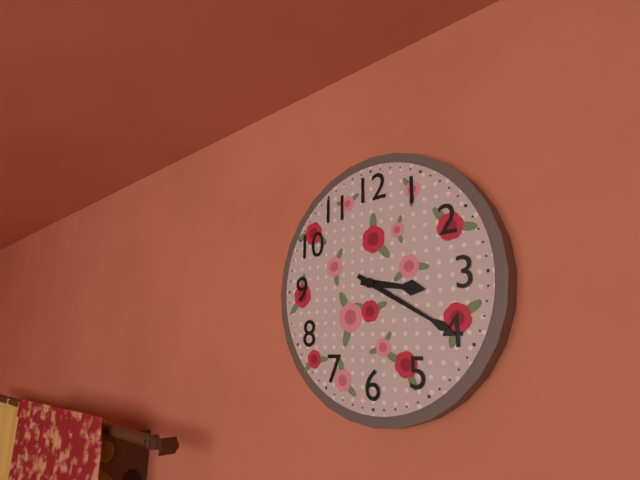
{"hour": 3, "minute": 20}
